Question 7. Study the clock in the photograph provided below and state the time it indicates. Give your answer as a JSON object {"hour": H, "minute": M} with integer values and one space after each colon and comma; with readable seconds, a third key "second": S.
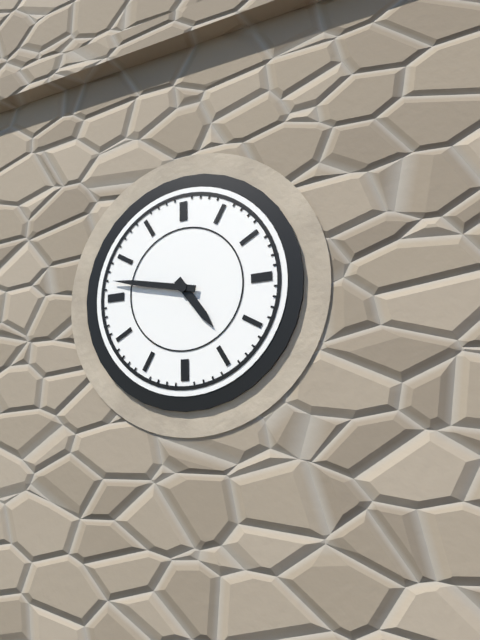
{"hour": 4, "minute": 47}
